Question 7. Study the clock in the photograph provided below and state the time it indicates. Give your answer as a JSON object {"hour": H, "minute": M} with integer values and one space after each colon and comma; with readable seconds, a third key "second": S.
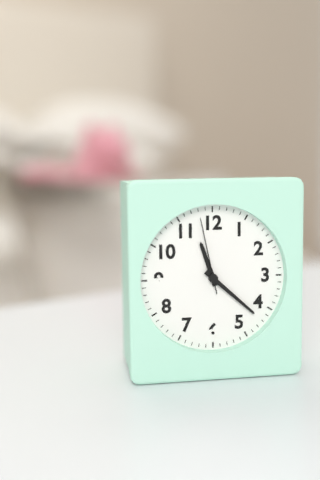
{"hour": 11, "minute": 22, "second": 58}
